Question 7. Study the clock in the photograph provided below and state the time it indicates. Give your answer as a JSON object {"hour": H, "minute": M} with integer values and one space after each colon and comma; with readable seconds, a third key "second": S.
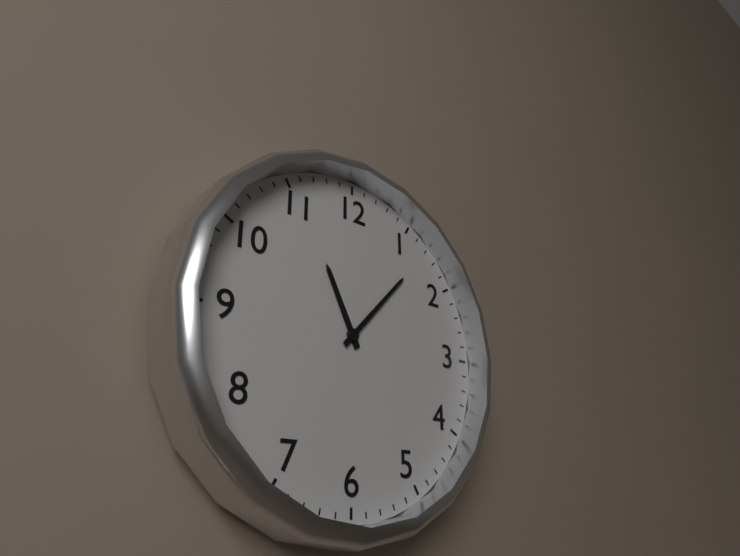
{"hour": 11, "minute": 7}
